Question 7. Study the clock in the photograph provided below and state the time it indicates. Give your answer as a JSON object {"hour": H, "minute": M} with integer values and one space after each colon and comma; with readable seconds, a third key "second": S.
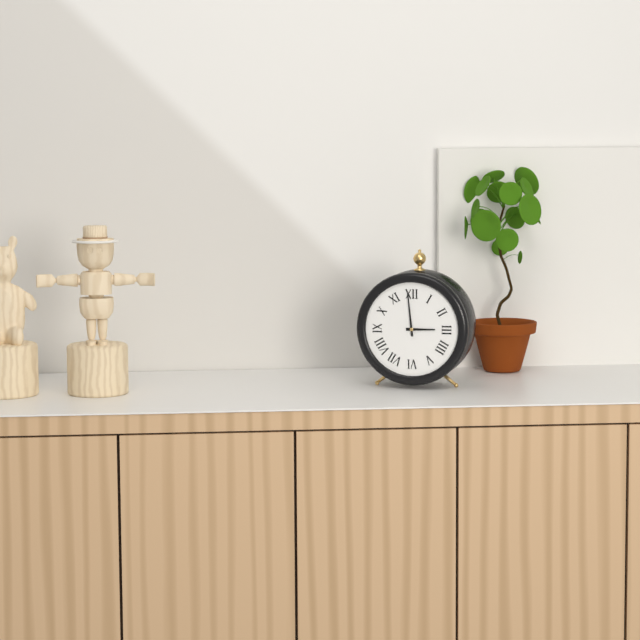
{"hour": 2, "minute": 59}
